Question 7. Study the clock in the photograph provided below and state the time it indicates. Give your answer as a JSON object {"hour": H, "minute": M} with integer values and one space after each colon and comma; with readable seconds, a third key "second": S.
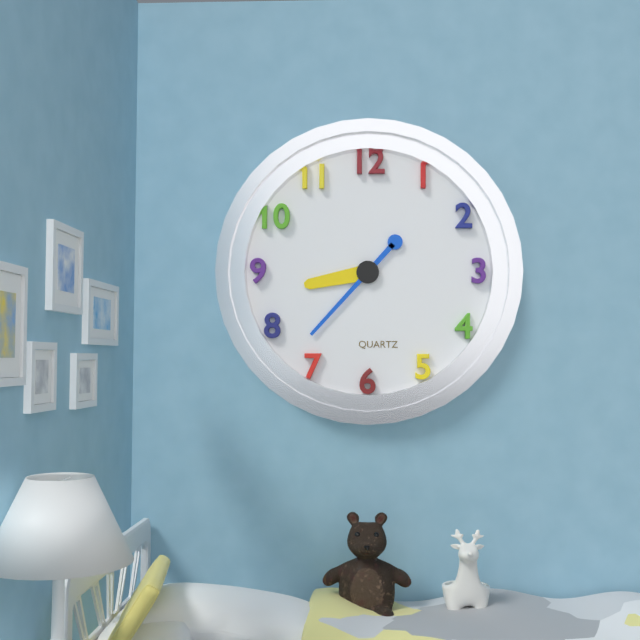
{"hour": 8, "minute": 37}
